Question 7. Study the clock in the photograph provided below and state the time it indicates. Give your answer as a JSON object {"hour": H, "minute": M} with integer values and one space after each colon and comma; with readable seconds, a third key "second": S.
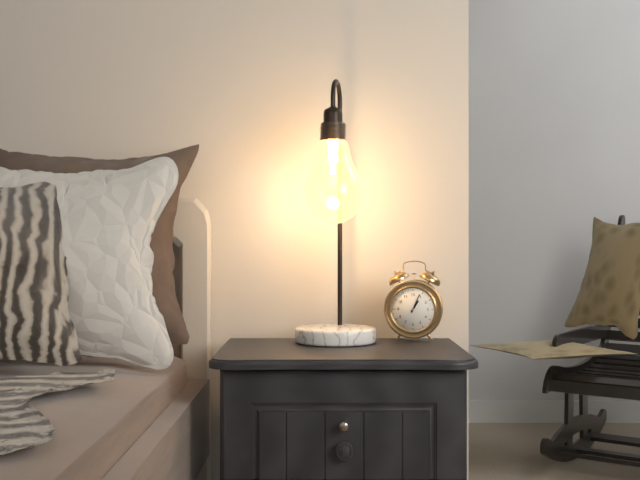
{"hour": 1, "minute": 4}
